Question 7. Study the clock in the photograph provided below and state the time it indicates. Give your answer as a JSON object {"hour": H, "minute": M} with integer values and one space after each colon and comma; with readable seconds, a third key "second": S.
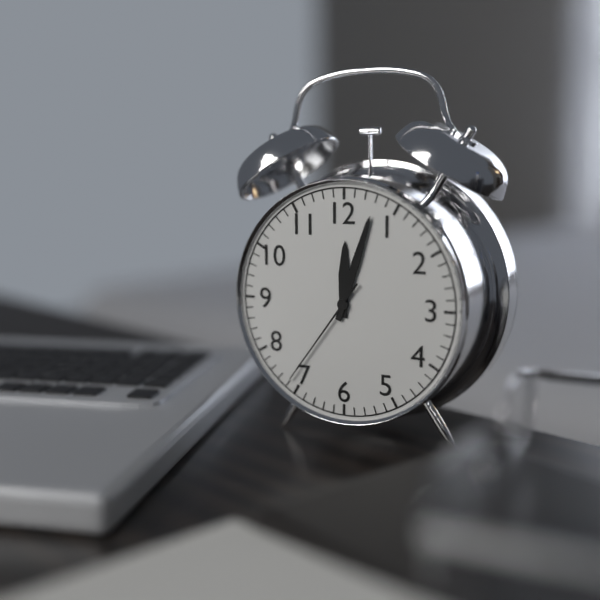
{"hour": 12, "minute": 3, "second": 36}
